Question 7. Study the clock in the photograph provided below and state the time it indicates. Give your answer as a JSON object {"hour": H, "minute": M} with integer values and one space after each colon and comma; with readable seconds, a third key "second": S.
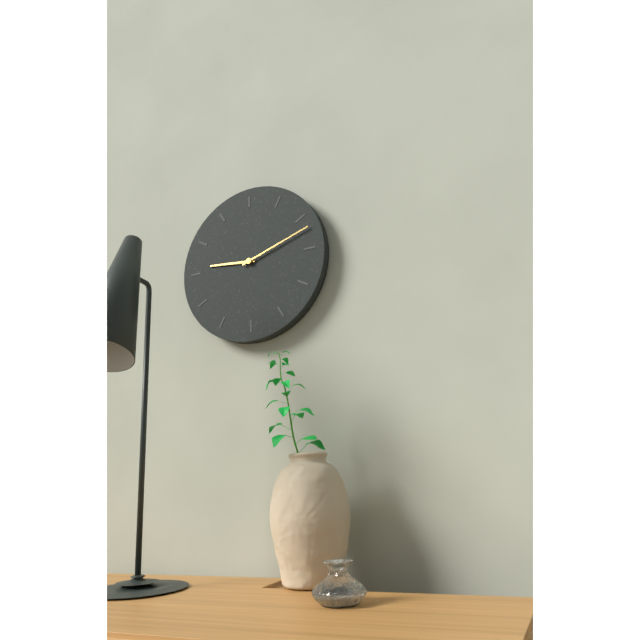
{"hour": 9, "minute": 12}
